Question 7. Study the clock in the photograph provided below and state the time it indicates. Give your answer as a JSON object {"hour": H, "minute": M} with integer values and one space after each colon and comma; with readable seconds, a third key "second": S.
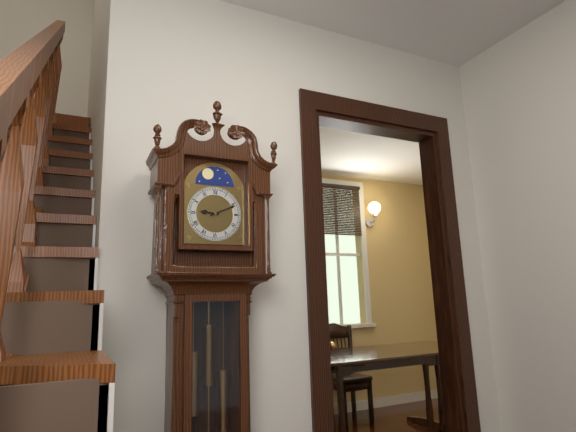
{"hour": 9, "minute": 11}
